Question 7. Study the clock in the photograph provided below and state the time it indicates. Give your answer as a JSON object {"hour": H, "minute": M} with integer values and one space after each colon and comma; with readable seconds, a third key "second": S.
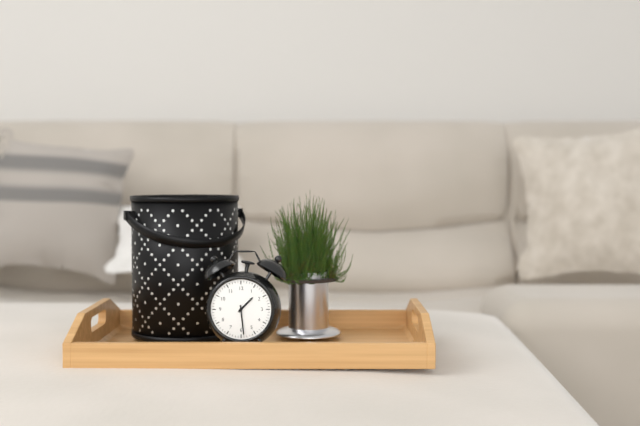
{"hour": 1, "minute": 29}
